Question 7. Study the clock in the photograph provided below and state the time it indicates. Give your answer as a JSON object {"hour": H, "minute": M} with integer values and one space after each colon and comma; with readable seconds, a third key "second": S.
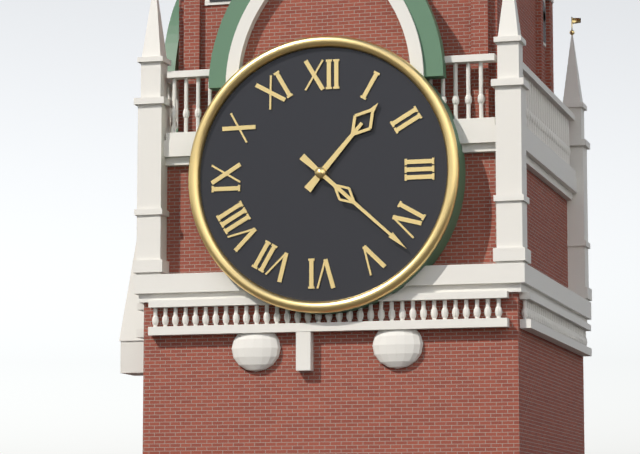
{"hour": 1, "minute": 22}
